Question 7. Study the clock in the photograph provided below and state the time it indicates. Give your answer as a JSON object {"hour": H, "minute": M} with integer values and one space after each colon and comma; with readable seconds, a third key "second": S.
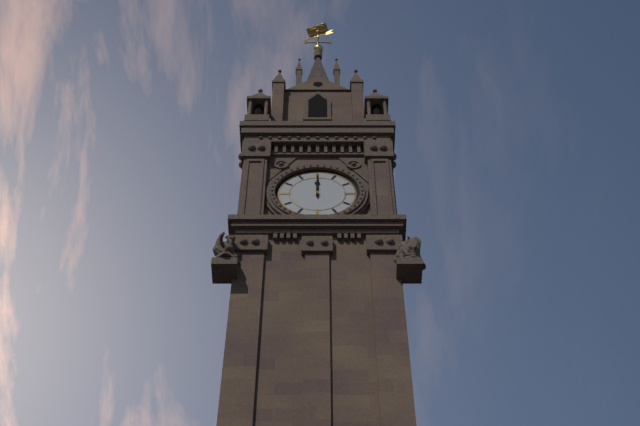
{"hour": 12, "minute": 0}
